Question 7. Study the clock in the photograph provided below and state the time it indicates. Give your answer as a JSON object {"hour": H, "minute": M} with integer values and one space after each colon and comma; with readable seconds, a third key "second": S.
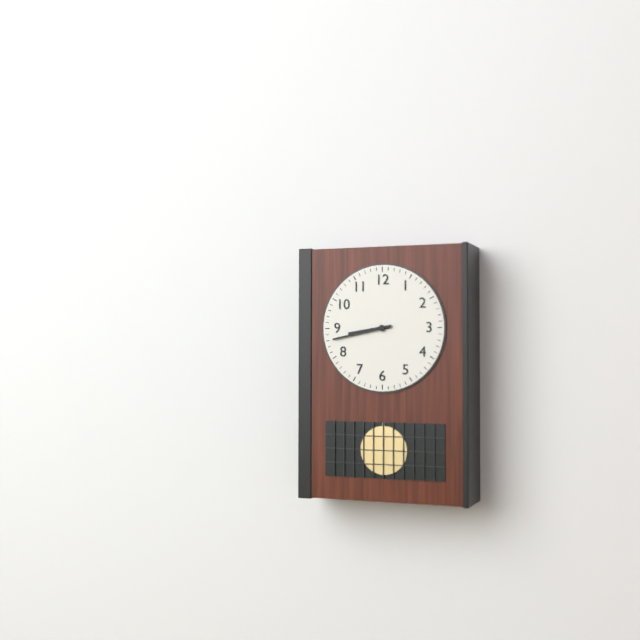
{"hour": 8, "minute": 43}
